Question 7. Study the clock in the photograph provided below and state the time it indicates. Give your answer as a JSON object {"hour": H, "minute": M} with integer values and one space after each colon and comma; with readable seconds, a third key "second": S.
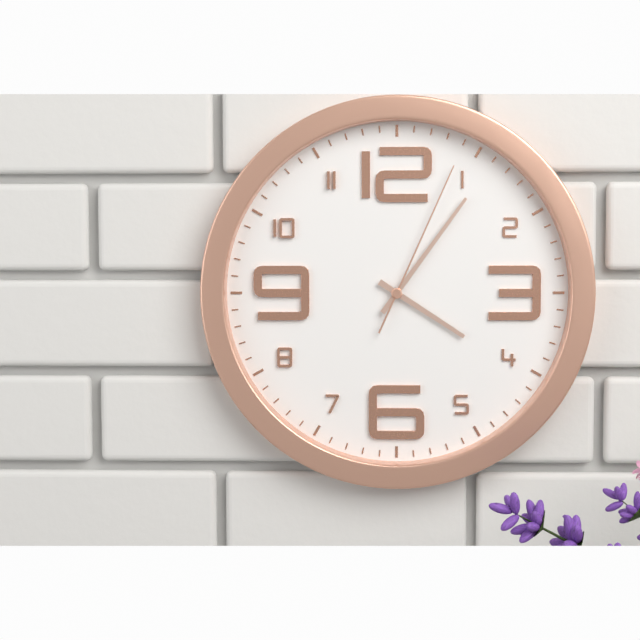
{"hour": 4, "minute": 6, "second": 4}
